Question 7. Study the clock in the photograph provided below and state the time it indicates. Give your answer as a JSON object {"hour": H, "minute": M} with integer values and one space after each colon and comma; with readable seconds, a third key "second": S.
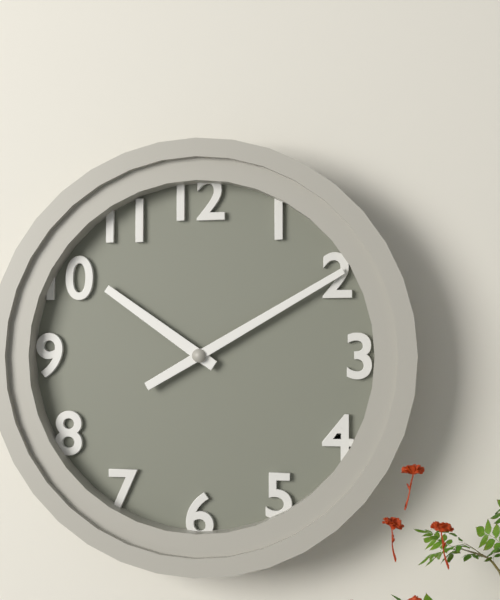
{"hour": 10, "minute": 10}
